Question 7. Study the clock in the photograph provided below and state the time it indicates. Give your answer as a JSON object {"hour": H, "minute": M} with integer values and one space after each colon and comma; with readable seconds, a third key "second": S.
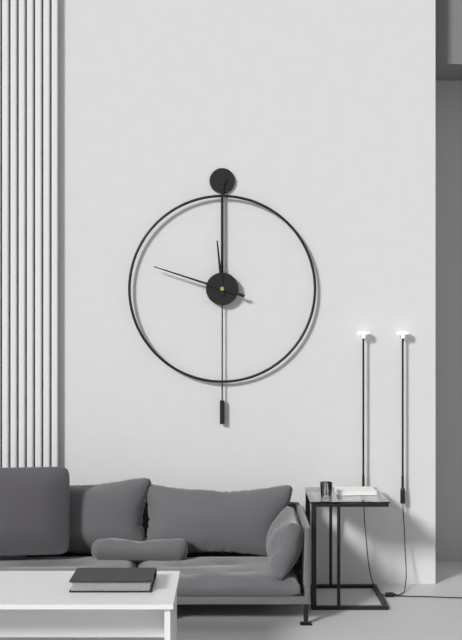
{"hour": 11, "minute": 48}
